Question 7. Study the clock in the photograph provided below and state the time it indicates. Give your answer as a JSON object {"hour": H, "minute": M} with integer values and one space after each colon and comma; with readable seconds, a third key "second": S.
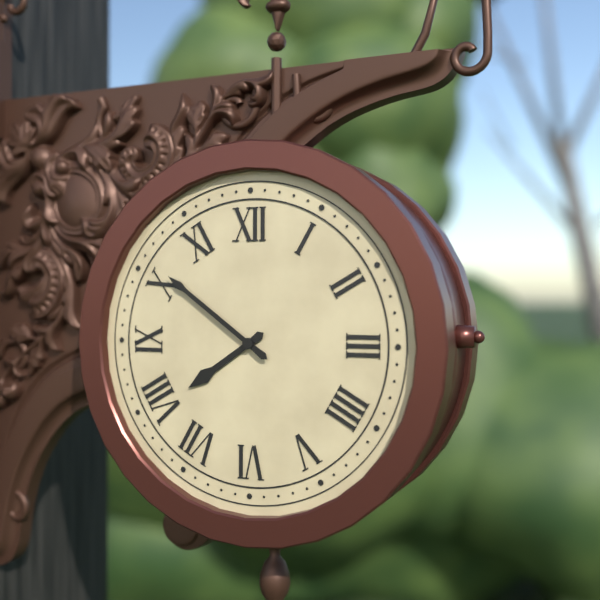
{"hour": 7, "minute": 51}
